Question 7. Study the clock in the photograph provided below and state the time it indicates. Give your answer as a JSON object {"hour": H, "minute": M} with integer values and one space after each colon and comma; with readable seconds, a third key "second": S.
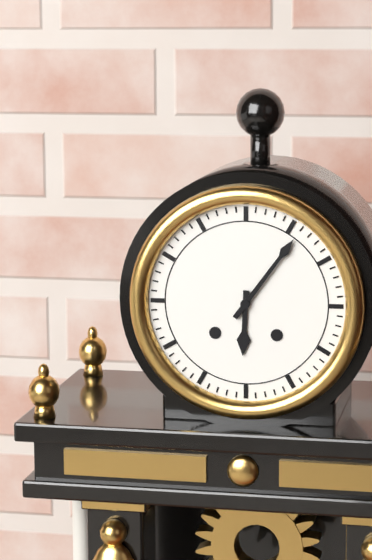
{"hour": 6, "minute": 6}
